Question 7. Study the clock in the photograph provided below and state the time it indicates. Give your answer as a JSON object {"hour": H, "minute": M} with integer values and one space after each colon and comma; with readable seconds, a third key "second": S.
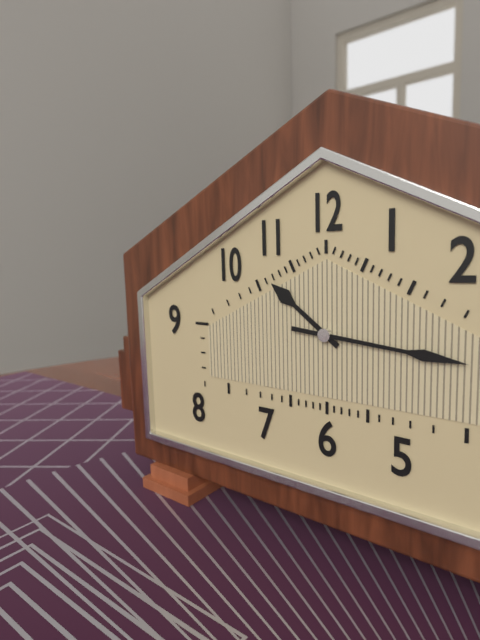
{"hour": 10, "minute": 16}
